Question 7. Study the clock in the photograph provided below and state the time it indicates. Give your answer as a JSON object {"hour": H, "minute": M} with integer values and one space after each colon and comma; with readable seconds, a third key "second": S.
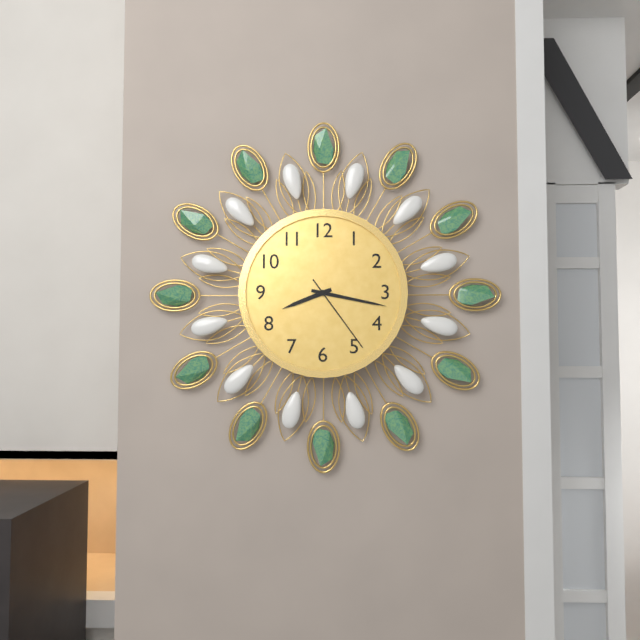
{"hour": 8, "minute": 17, "second": 24}
